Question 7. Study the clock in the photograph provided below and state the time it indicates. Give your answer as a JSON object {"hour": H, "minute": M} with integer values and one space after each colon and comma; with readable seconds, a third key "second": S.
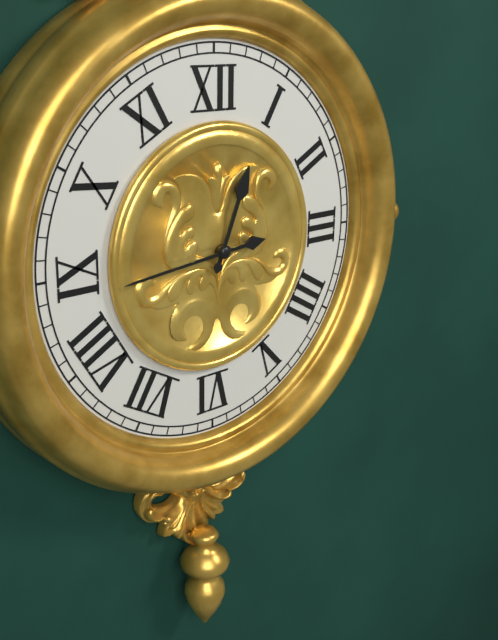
{"hour": 12, "minute": 44}
